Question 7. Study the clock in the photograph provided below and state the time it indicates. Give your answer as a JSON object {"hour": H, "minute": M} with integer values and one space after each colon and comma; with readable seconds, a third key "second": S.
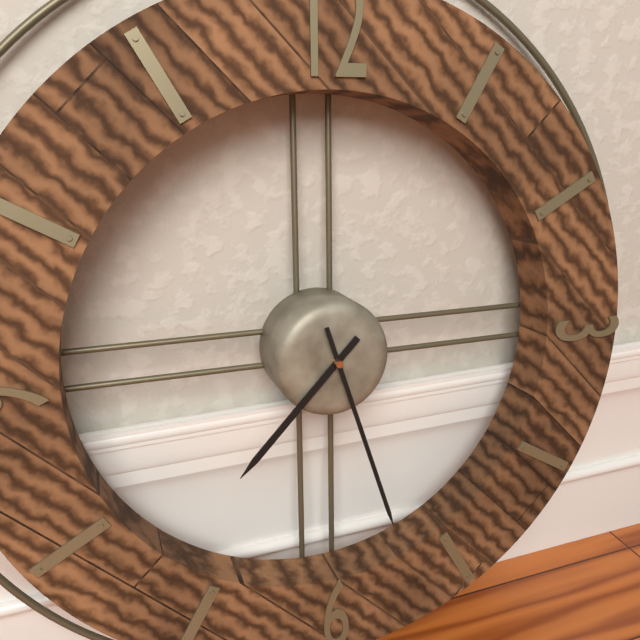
{"hour": 7, "minute": 27}
